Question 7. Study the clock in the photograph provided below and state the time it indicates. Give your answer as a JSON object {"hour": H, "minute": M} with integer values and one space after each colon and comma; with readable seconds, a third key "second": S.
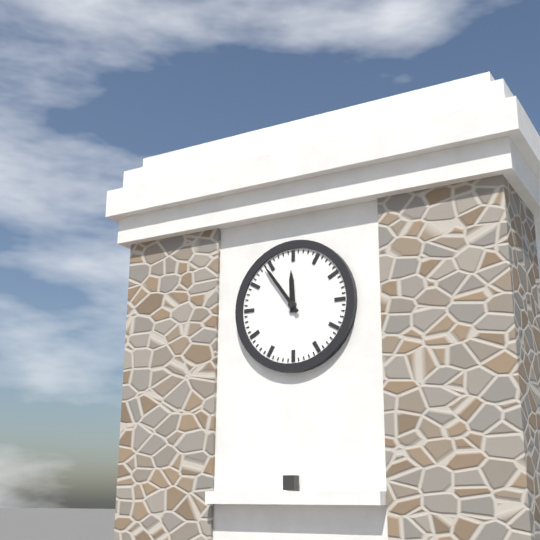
{"hour": 11, "minute": 54}
